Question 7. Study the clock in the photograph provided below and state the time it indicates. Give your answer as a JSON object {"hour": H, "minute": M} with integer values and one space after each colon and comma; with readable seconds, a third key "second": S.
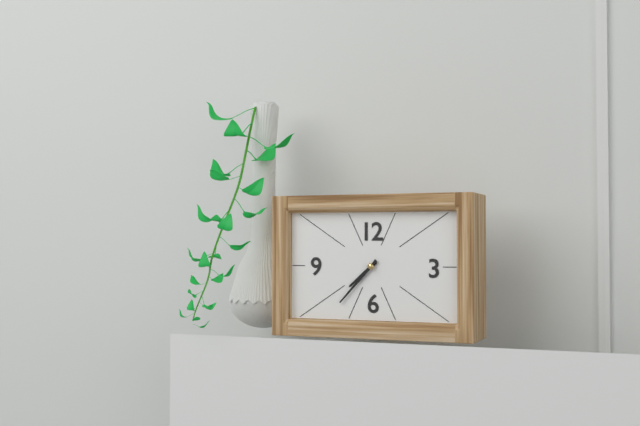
{"hour": 7, "minute": 37}
